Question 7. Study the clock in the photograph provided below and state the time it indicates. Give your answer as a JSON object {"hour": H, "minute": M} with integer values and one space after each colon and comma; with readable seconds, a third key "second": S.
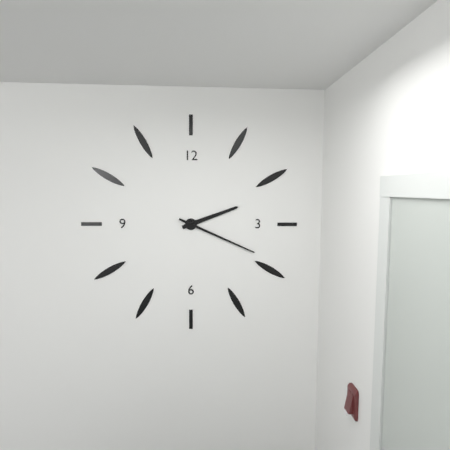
{"hour": 2, "minute": 19}
